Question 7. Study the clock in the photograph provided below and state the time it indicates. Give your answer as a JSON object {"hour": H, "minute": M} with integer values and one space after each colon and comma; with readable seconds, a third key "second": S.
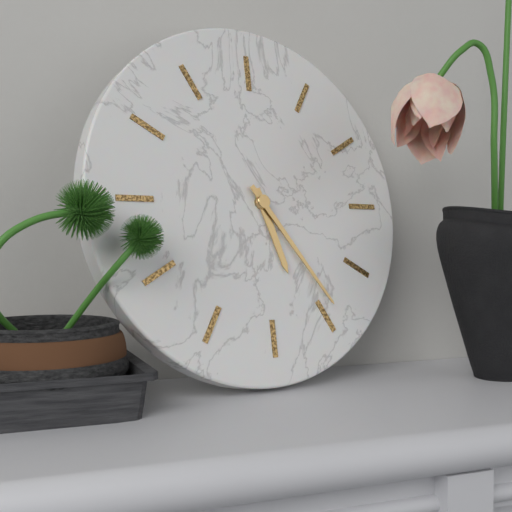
{"hour": 5, "minute": 24}
